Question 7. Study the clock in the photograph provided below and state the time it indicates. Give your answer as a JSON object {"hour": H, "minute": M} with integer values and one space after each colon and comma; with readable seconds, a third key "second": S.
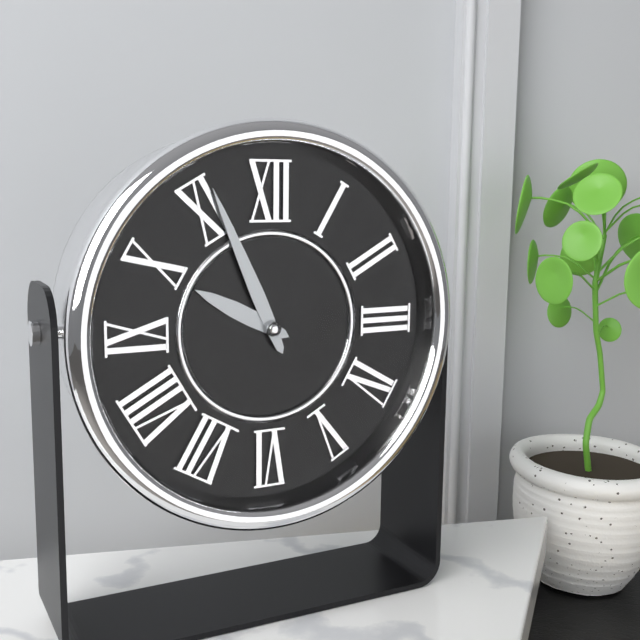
{"hour": 9, "minute": 56}
